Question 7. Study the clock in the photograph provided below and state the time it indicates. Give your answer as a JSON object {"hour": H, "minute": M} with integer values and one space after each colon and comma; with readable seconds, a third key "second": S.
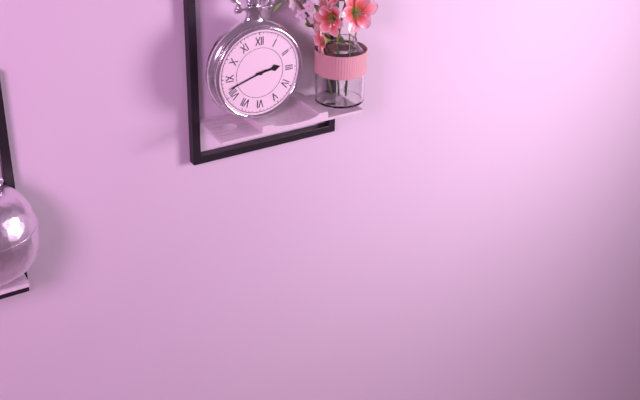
{"hour": 2, "minute": 42}
